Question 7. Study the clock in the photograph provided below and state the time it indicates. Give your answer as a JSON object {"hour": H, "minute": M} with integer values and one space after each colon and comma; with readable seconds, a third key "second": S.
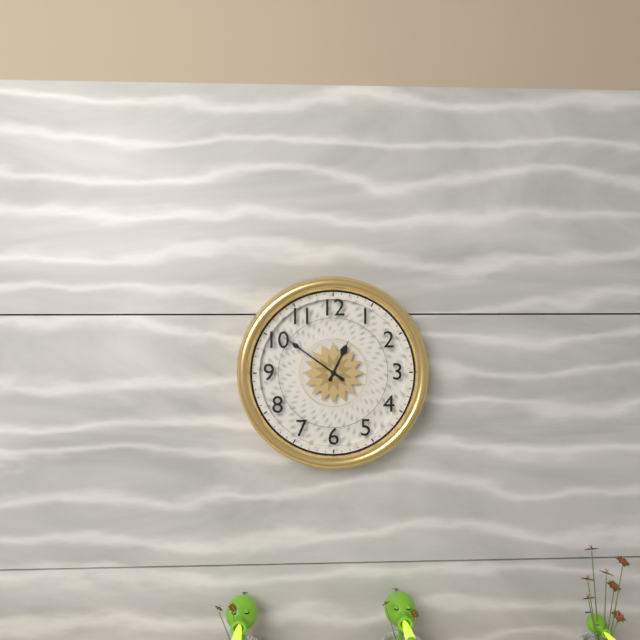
{"hour": 12, "minute": 51}
